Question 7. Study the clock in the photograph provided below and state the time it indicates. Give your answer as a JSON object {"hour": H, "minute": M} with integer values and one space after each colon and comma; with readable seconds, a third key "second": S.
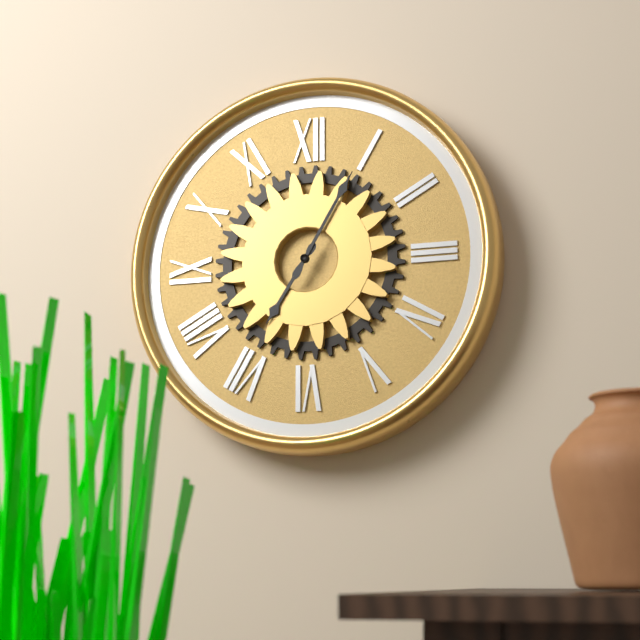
{"hour": 7, "minute": 5}
